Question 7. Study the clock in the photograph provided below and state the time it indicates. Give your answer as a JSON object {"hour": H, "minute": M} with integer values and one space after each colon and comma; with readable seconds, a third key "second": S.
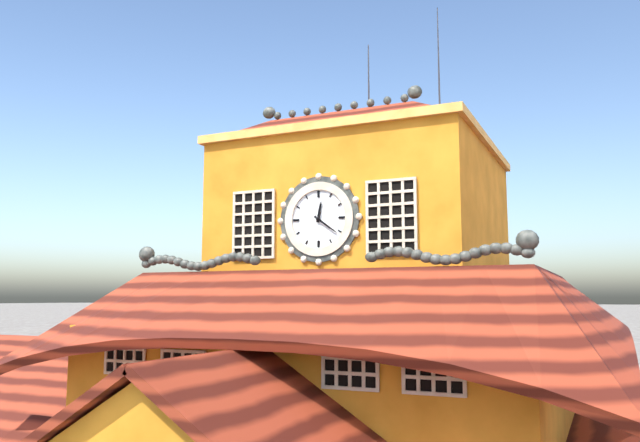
{"hour": 12, "minute": 21}
